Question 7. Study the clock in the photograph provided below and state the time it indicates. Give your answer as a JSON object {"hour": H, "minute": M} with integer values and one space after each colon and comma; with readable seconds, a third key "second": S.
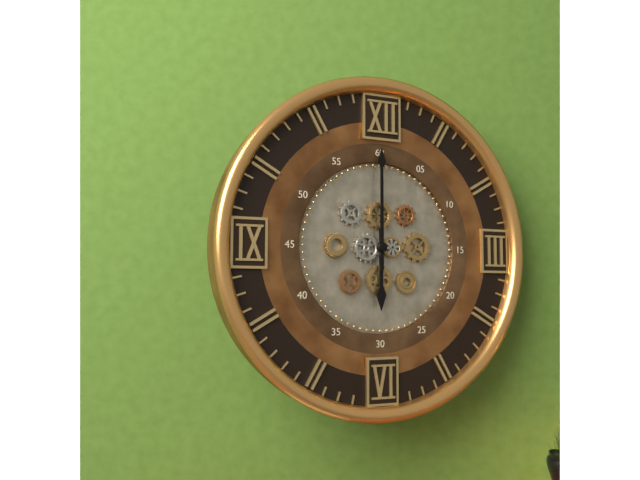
{"hour": 6, "minute": 0}
